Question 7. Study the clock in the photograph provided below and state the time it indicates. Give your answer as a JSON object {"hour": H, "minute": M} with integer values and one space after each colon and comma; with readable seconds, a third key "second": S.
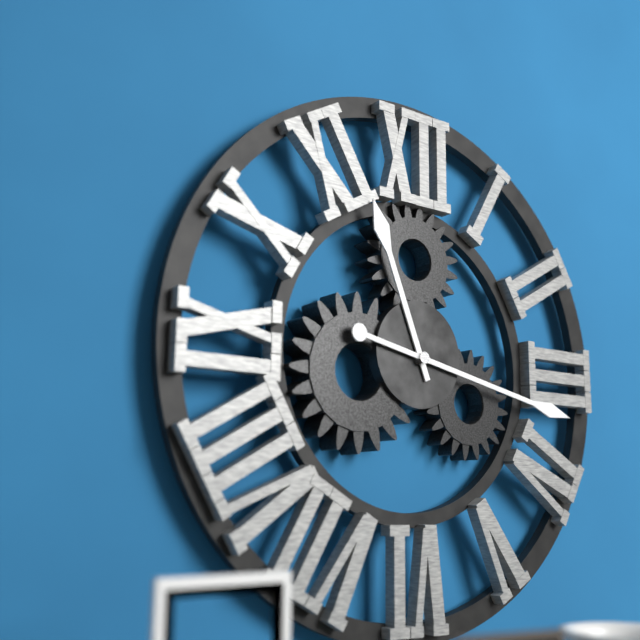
{"hour": 11, "minute": 17}
